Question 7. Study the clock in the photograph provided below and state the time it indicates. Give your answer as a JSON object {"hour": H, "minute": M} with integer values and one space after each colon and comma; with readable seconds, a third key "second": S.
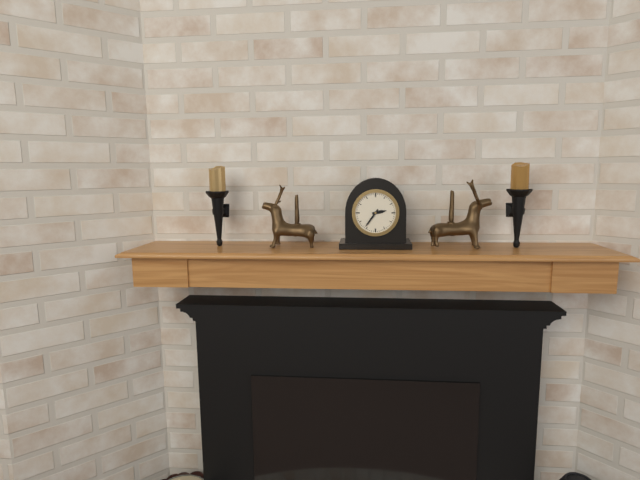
{"hour": 2, "minute": 36}
